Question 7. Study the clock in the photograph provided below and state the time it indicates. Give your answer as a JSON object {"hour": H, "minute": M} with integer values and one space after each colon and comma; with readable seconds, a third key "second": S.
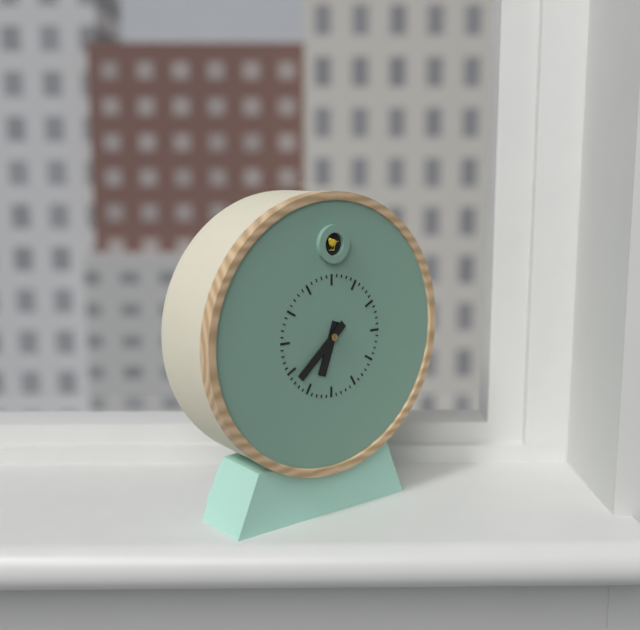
{"hour": 6, "minute": 38}
